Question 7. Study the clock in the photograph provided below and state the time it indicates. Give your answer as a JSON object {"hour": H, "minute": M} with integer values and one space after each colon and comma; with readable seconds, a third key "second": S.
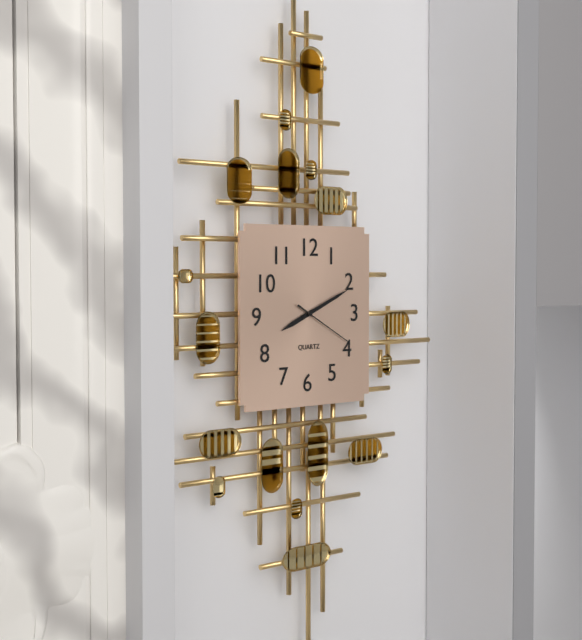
{"hour": 8, "minute": 11, "second": 20}
